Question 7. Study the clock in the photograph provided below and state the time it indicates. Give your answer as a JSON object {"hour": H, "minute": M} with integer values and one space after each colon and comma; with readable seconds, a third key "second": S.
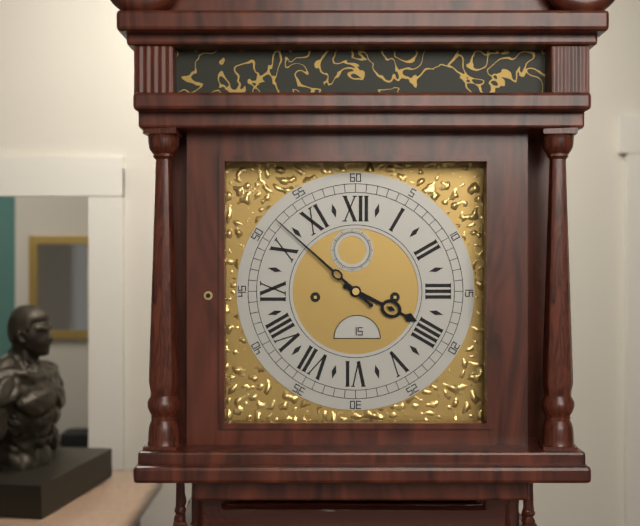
{"hour": 3, "minute": 52}
